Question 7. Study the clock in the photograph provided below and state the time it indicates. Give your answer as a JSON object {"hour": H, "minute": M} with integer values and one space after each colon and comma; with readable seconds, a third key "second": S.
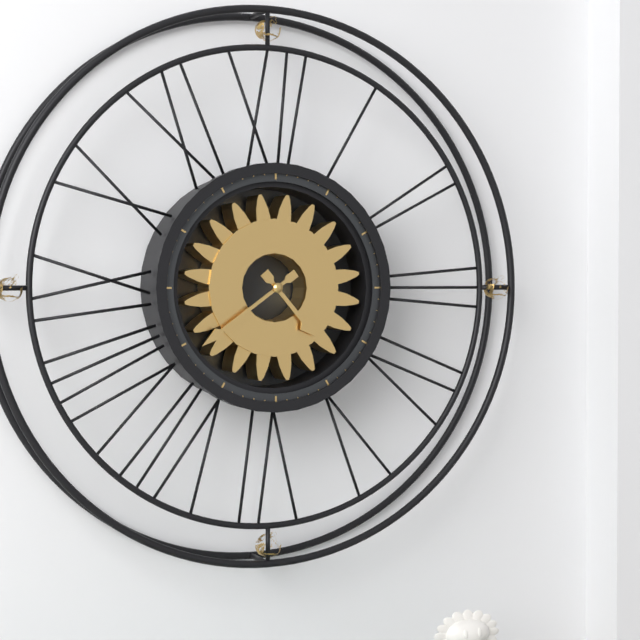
{"hour": 4, "minute": 39}
